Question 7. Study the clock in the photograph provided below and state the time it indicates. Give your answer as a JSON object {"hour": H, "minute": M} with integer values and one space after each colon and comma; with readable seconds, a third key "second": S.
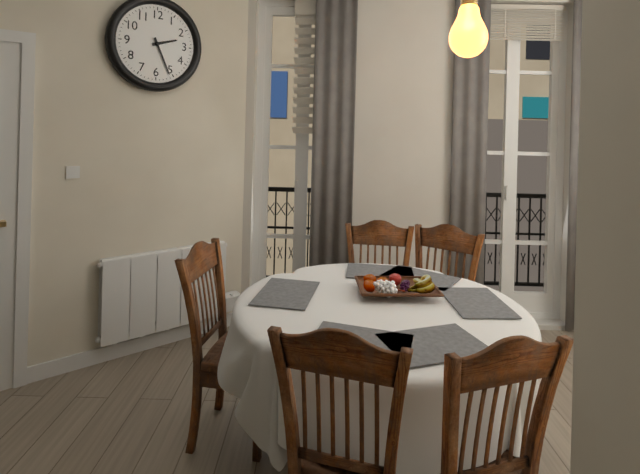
{"hour": 2, "minute": 26}
